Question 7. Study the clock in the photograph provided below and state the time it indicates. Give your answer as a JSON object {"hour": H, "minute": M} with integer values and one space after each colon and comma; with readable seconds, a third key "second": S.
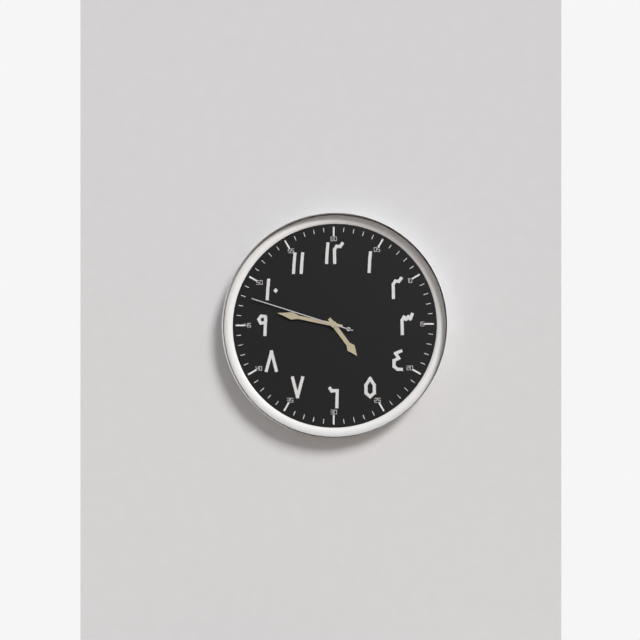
{"hour": 4, "minute": 47, "second": 48}
